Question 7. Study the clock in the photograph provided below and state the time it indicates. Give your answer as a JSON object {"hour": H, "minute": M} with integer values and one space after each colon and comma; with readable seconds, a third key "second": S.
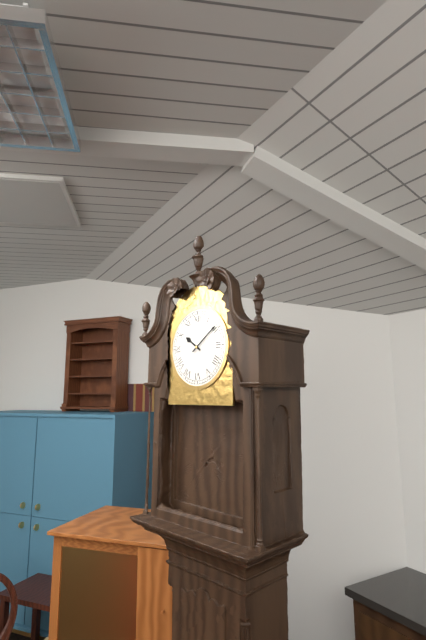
{"hour": 10, "minute": 9}
